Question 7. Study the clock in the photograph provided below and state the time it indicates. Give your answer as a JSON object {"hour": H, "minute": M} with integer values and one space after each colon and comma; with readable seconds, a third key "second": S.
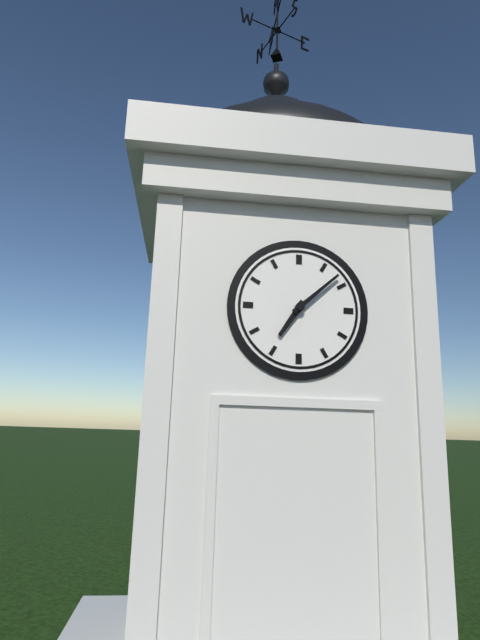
{"hour": 7, "minute": 8}
